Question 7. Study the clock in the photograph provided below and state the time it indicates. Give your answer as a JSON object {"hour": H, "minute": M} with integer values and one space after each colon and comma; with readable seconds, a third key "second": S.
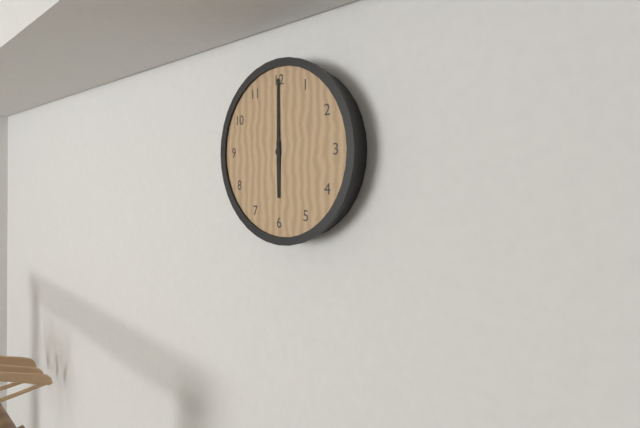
{"hour": 6, "minute": 0}
